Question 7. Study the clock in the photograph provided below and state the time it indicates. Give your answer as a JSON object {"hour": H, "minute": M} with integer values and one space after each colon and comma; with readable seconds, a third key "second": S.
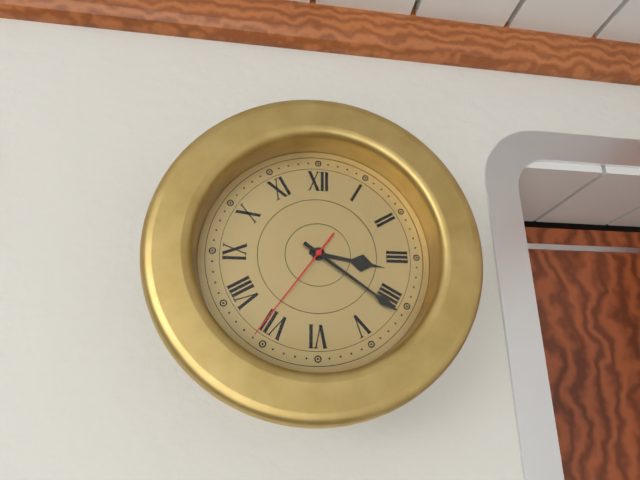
{"hour": 3, "minute": 21, "second": 36}
